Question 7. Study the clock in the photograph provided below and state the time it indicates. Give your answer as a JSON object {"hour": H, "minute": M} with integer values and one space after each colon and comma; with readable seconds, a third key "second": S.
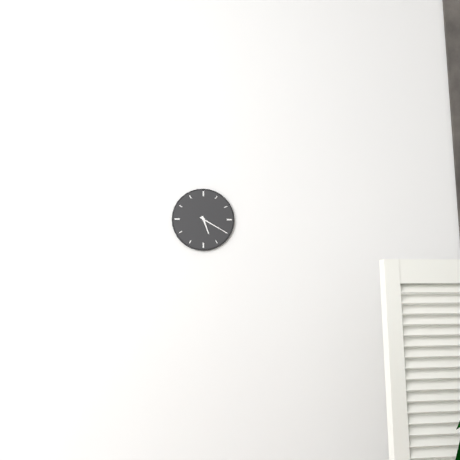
{"hour": 5, "minute": 20}
